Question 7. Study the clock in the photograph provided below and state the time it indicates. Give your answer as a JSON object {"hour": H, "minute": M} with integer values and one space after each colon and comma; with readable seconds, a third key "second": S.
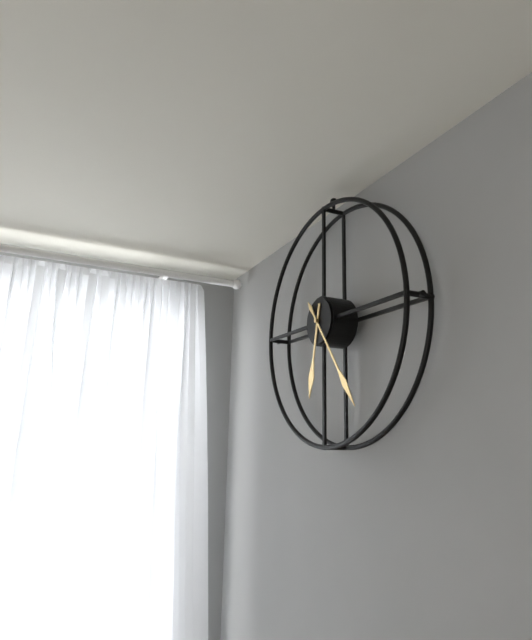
{"hour": 6, "minute": 24}
